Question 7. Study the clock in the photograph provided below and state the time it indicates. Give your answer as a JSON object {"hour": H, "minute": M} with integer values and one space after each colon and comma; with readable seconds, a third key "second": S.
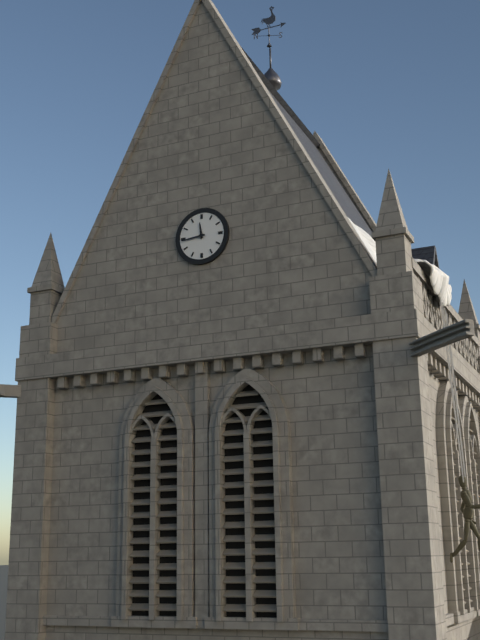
{"hour": 11, "minute": 44}
